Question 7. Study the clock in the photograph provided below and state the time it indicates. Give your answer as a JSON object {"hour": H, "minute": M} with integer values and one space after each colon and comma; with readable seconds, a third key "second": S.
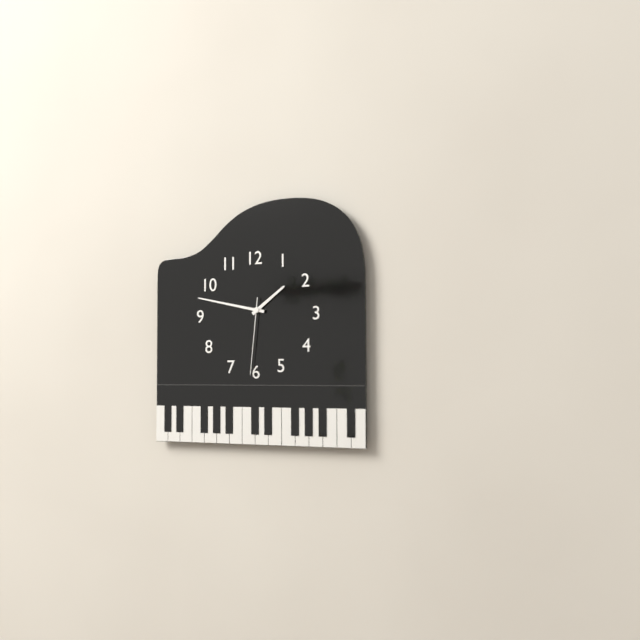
{"hour": 1, "minute": 47, "second": 31}
